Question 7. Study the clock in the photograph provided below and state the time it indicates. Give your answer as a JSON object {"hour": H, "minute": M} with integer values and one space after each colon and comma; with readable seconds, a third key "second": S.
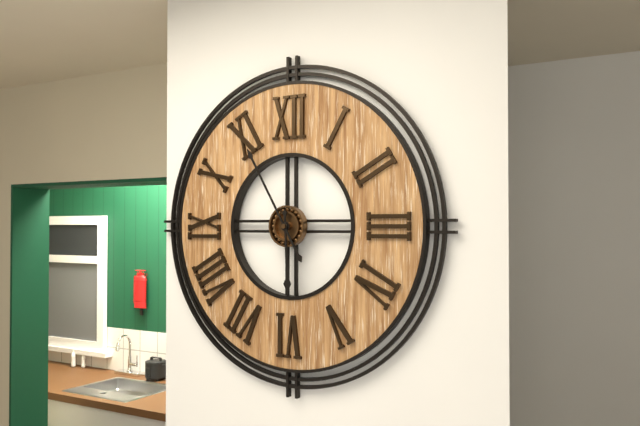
{"hour": 5, "minute": 55}
